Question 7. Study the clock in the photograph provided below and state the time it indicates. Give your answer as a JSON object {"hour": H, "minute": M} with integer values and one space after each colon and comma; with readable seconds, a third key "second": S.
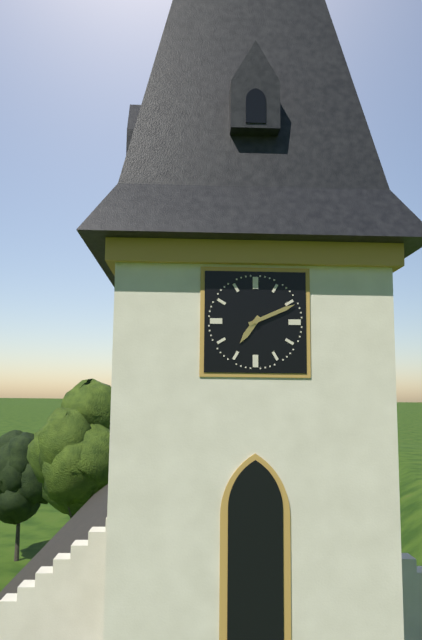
{"hour": 7, "minute": 11}
